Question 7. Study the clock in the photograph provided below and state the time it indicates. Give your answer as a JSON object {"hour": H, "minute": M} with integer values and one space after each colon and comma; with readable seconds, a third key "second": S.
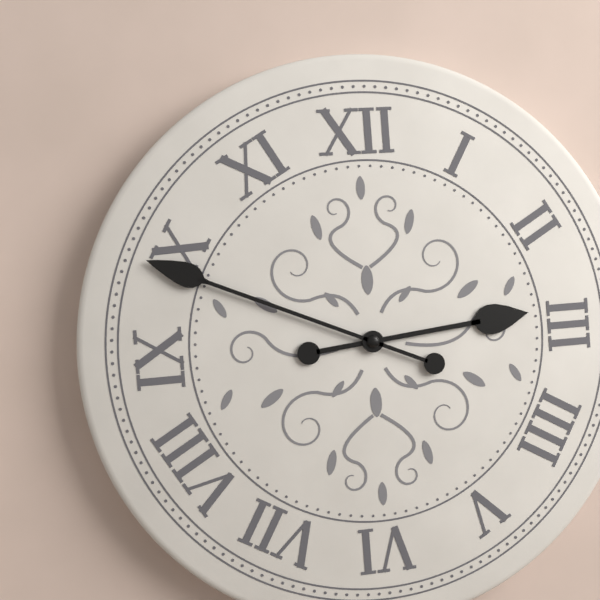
{"hour": 2, "minute": 49}
